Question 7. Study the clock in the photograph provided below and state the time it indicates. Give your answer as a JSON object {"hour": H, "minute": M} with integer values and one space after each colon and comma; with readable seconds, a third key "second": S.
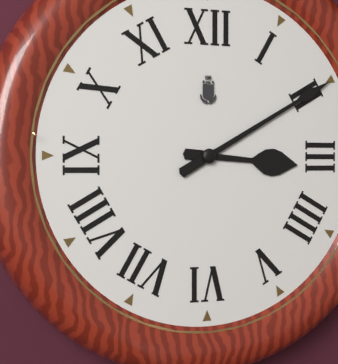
{"hour": 3, "minute": 10}
